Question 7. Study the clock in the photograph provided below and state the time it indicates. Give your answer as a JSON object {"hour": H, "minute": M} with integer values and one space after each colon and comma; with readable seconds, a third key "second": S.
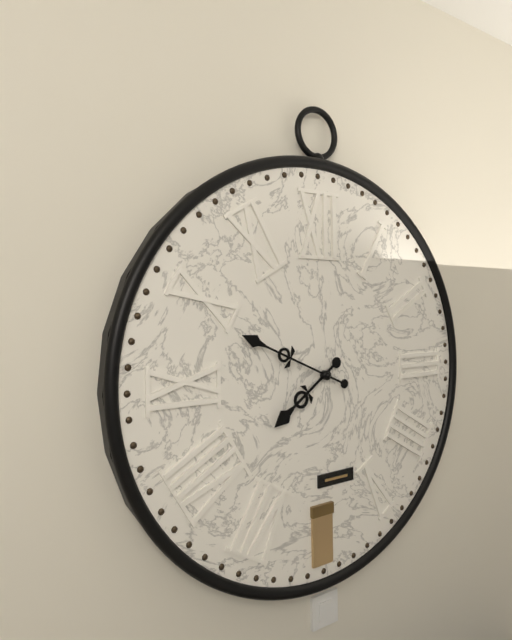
{"hour": 7, "minute": 49}
